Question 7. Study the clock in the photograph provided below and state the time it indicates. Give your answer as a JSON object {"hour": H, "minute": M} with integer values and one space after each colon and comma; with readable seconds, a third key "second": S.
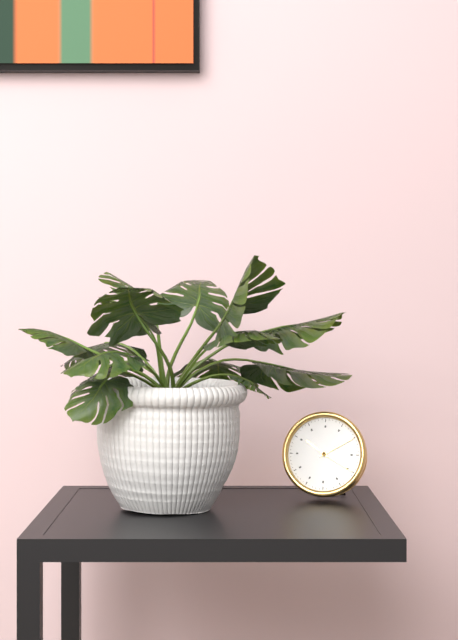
{"hour": 10, "minute": 10}
